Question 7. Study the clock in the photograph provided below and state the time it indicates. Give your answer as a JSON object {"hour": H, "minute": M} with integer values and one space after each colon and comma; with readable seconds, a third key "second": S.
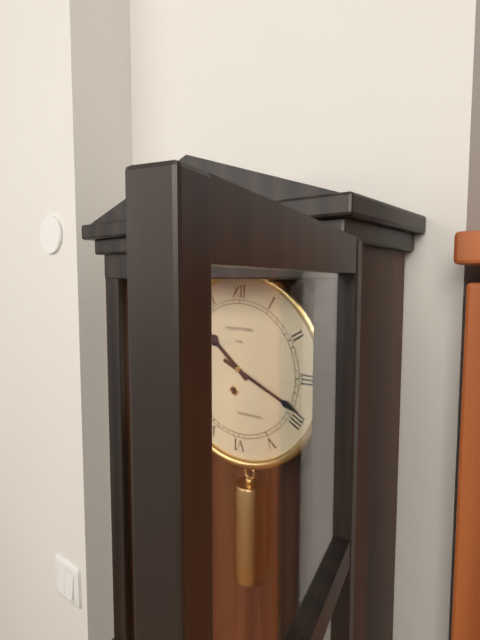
{"hour": 10, "minute": 19}
